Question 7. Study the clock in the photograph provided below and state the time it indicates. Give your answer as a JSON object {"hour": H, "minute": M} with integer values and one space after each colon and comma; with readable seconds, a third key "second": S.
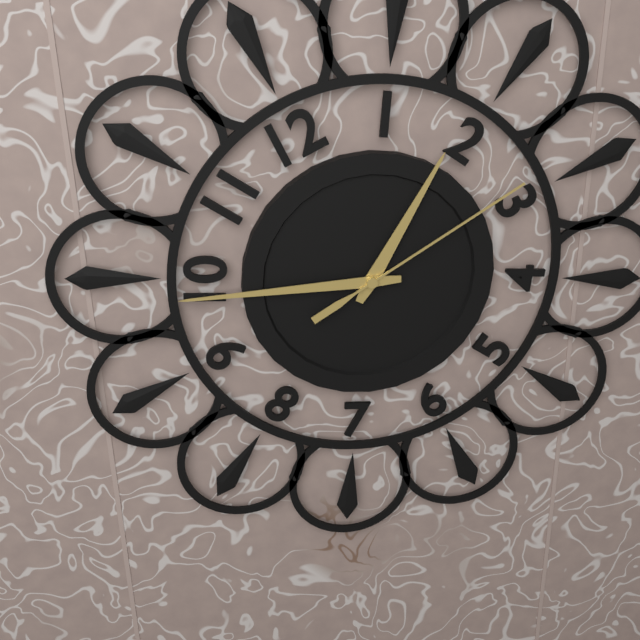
{"hour": 1, "minute": 49, "second": 14}
